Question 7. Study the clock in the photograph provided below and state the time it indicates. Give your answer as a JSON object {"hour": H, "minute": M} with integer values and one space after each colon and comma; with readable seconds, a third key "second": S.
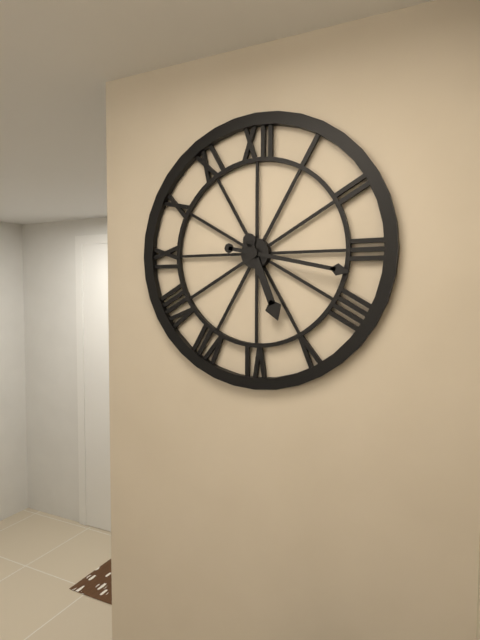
{"hour": 5, "minute": 17}
